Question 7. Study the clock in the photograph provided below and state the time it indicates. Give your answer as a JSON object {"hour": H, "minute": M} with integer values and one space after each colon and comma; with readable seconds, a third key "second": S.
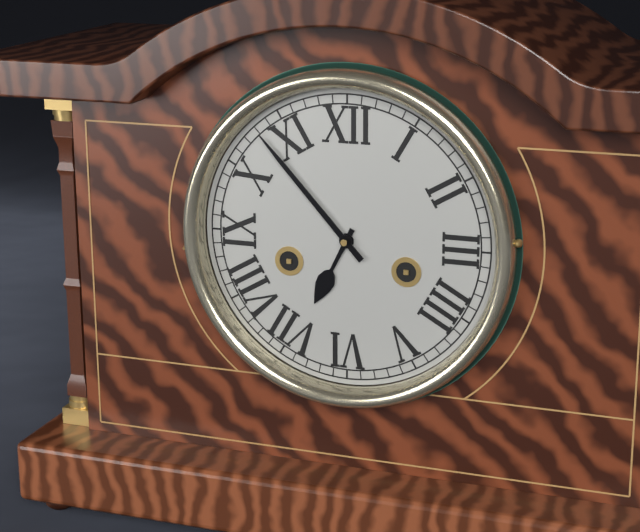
{"hour": 6, "minute": 53}
